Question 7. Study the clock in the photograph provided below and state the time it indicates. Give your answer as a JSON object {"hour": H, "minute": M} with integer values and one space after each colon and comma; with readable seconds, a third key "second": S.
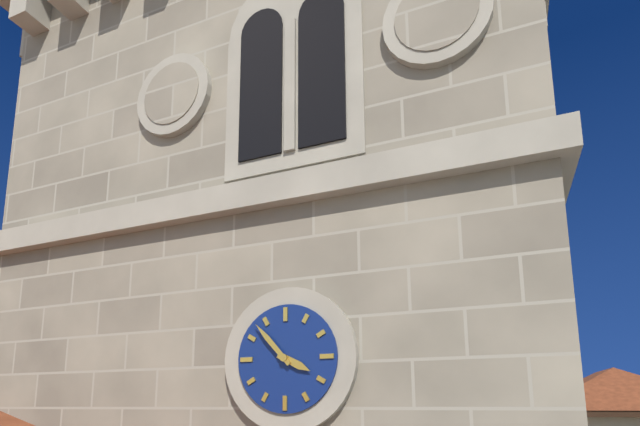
{"hour": 3, "minute": 53}
